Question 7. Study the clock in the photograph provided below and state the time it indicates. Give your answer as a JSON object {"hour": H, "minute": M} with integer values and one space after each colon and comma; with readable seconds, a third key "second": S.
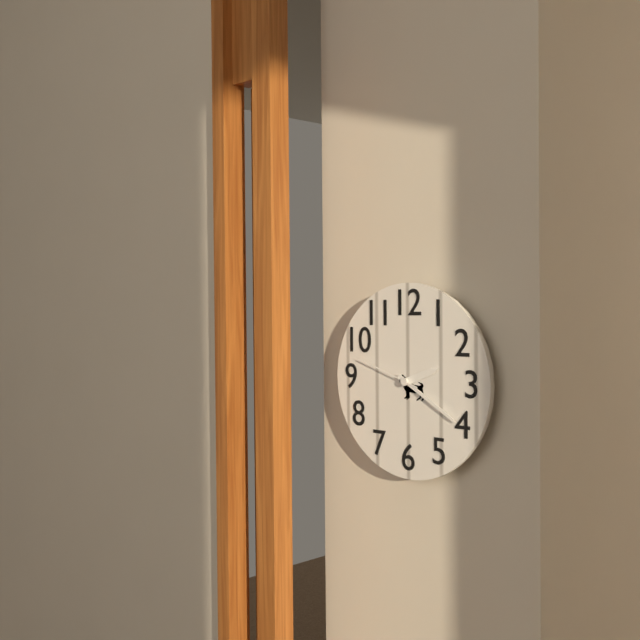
{"hour": 2, "minute": 20, "second": 48}
